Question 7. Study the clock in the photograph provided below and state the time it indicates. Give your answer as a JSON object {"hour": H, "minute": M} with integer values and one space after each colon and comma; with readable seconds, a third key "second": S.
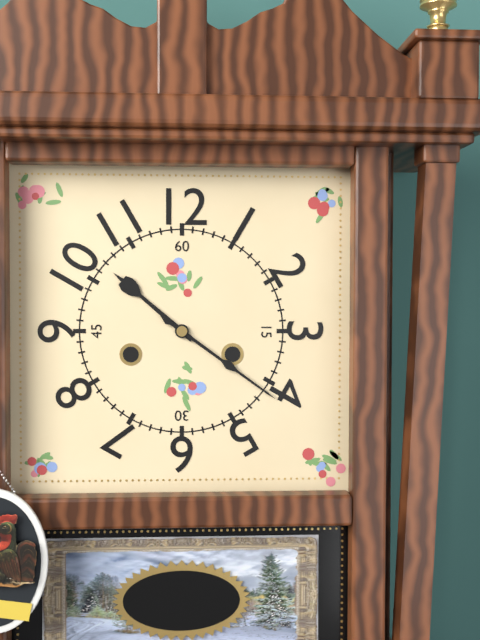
{"hour": 10, "minute": 21}
